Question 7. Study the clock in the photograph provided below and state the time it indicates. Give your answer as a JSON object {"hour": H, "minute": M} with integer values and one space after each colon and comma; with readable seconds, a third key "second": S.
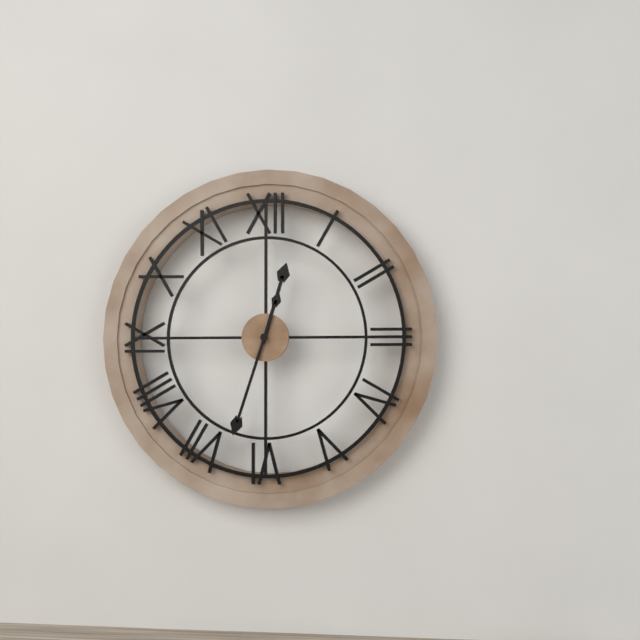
{"hour": 12, "minute": 33}
